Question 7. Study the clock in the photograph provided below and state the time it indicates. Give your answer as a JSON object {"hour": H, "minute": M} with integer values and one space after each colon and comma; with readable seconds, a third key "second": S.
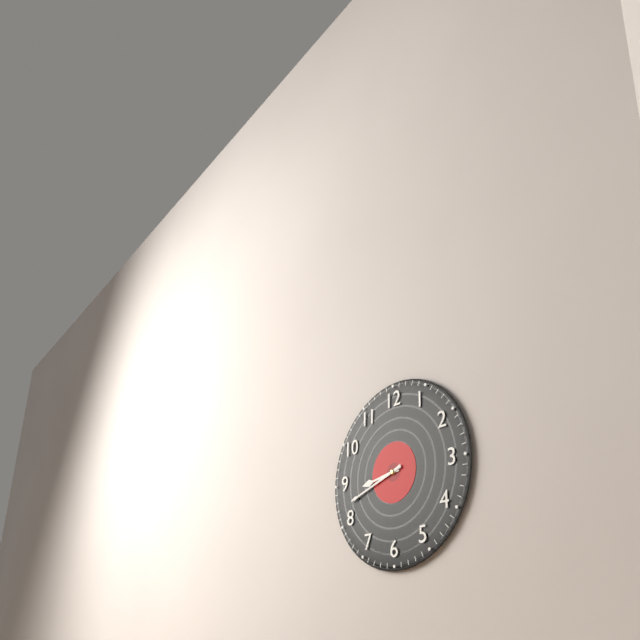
{"hour": 8, "minute": 42}
